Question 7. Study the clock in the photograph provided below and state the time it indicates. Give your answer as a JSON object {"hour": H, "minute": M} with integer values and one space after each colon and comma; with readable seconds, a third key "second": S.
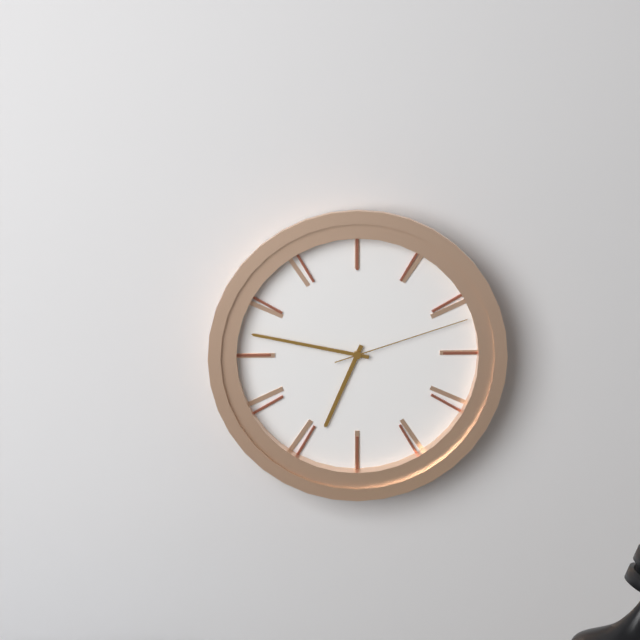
{"hour": 6, "minute": 47, "second": 12}
